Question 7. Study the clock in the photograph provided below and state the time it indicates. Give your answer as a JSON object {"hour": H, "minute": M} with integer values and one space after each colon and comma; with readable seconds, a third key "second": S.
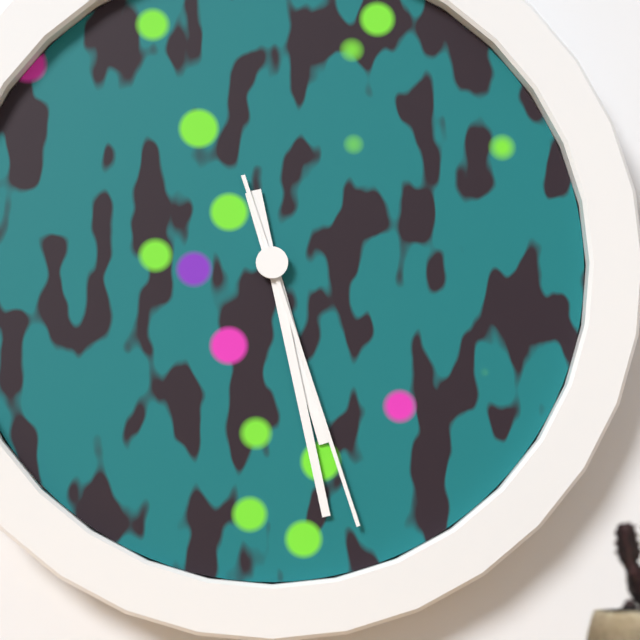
{"hour": 5, "minute": 28, "second": 27}
